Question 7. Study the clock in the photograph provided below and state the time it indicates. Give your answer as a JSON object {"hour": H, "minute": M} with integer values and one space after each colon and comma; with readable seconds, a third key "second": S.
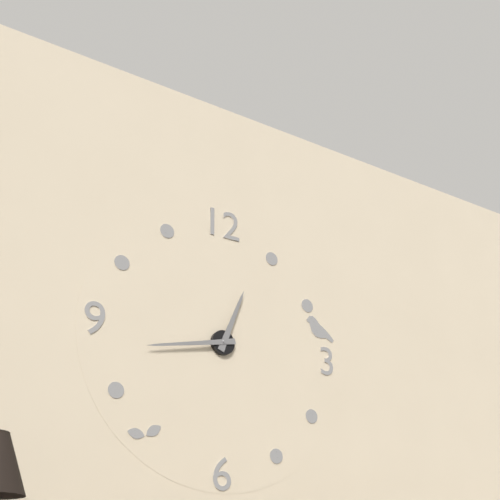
{"hour": 12, "minute": 43}
